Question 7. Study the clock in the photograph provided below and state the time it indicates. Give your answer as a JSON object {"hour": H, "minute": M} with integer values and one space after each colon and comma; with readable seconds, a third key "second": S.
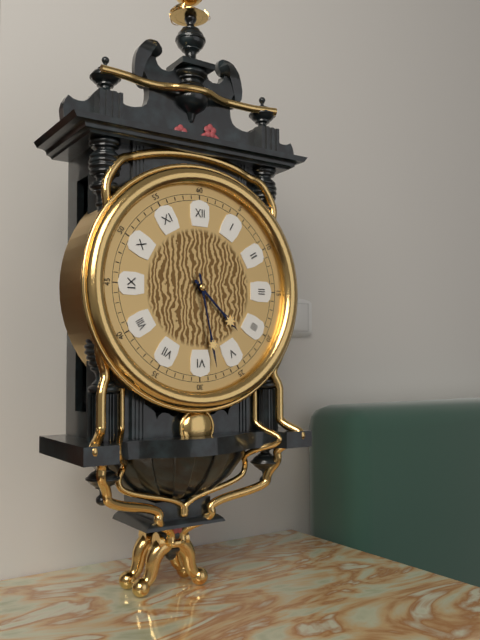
{"hour": 4, "minute": 28}
